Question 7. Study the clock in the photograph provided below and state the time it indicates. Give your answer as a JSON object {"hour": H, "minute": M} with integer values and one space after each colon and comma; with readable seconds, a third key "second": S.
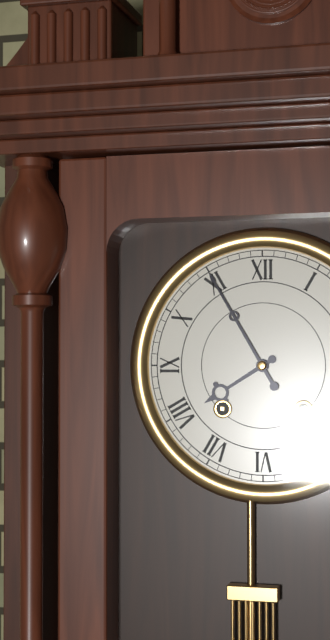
{"hour": 7, "minute": 55}
